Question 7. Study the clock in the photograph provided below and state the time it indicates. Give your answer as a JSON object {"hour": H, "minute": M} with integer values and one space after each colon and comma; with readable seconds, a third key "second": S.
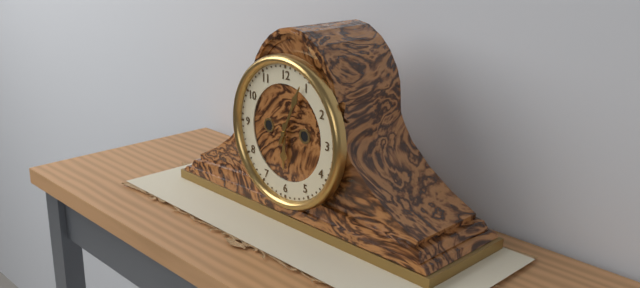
{"hour": 6, "minute": 4}
